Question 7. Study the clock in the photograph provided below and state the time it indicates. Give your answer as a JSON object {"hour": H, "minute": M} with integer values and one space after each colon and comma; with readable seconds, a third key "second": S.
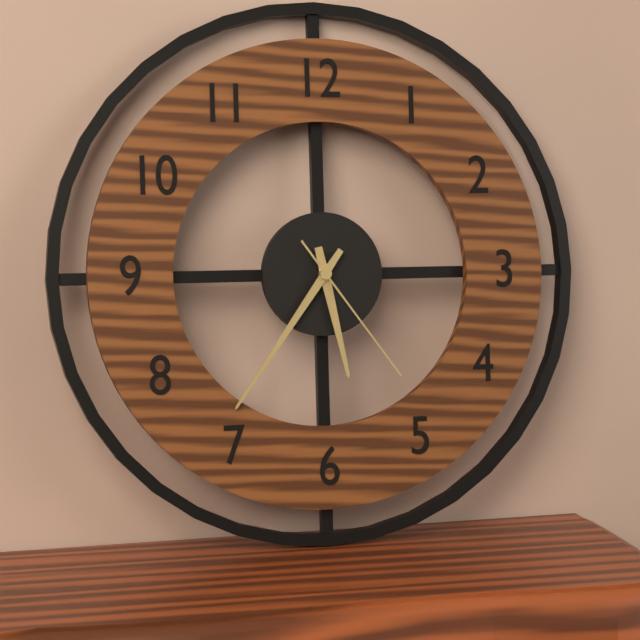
{"hour": 5, "minute": 36, "second": 24}
